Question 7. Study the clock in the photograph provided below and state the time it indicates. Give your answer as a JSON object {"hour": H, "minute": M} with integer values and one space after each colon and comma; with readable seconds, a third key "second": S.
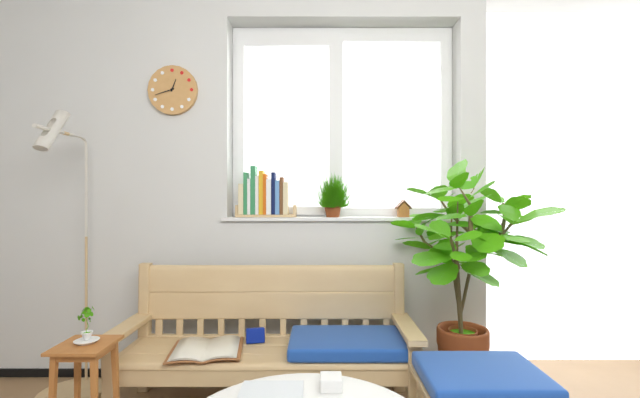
{"hour": 12, "minute": 42}
